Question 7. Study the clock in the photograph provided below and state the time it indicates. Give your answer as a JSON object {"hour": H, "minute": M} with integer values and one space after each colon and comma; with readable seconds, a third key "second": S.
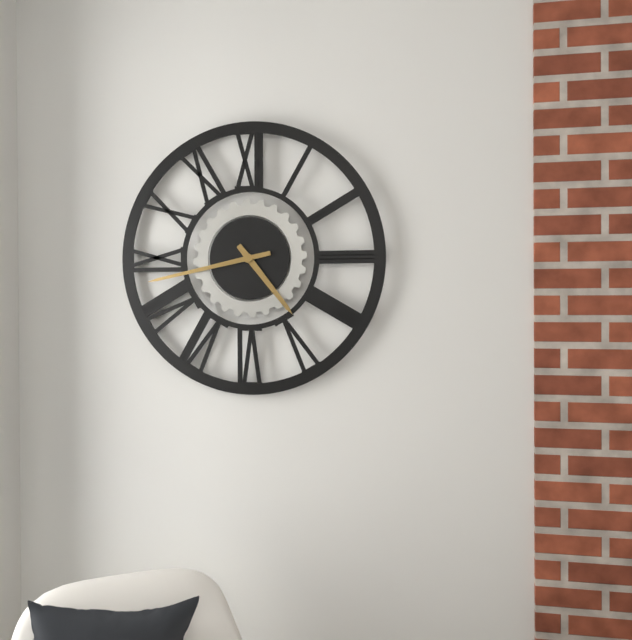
{"hour": 4, "minute": 43}
